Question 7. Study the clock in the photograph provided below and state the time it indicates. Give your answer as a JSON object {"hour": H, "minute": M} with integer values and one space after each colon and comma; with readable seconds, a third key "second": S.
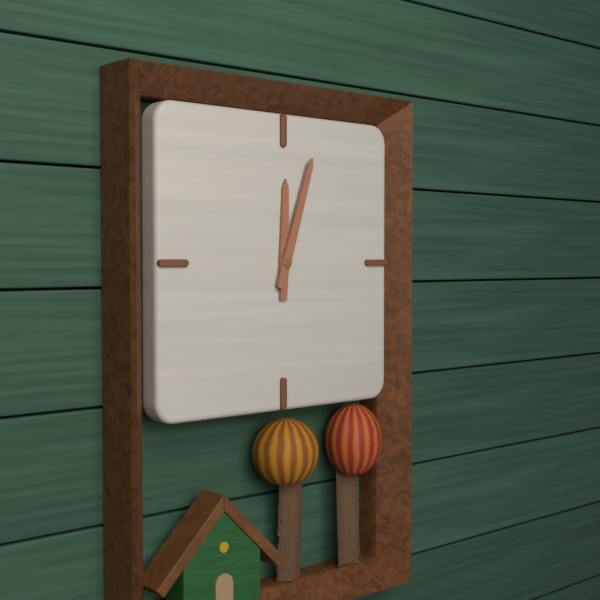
{"hour": 12, "minute": 3}
